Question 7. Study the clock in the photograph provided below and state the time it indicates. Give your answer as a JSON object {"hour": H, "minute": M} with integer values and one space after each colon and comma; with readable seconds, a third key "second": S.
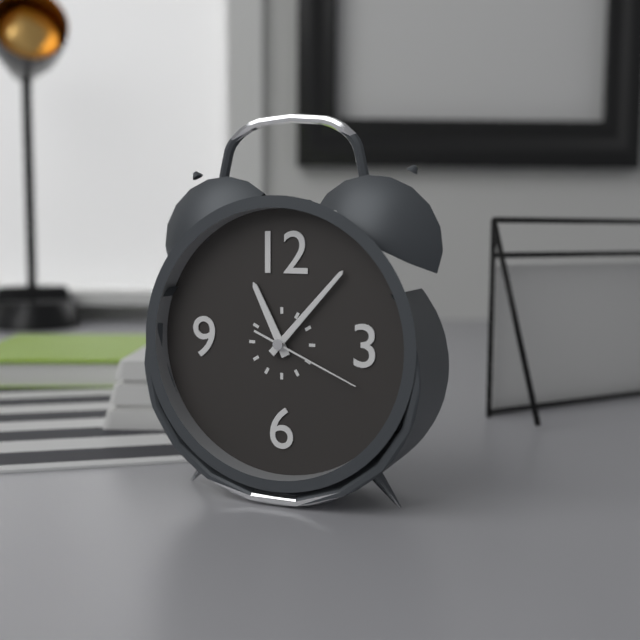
{"hour": 11, "minute": 7, "second": 19}
